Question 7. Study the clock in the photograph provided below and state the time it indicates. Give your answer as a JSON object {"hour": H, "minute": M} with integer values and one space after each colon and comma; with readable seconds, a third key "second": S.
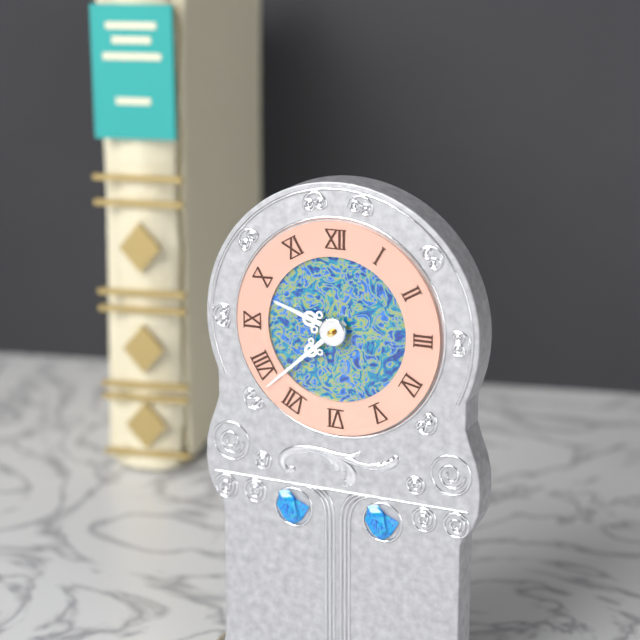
{"hour": 9, "minute": 38}
